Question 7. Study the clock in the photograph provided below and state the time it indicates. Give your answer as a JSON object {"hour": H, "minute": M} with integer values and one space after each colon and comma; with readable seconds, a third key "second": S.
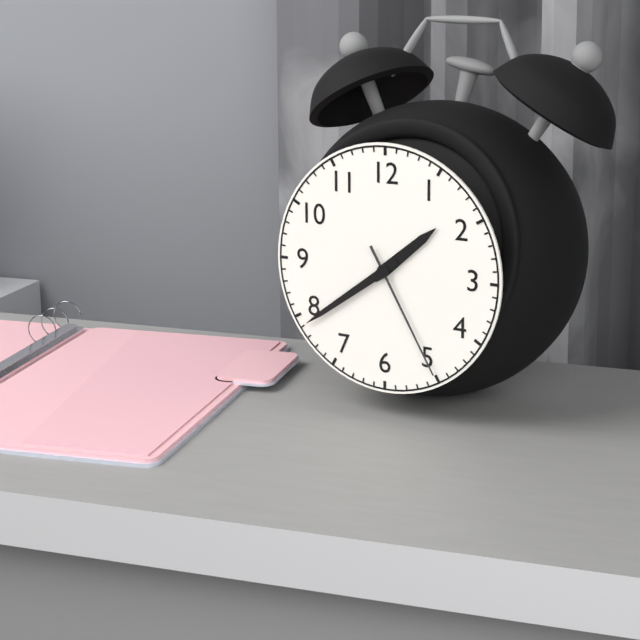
{"hour": 1, "minute": 39, "second": 25}
